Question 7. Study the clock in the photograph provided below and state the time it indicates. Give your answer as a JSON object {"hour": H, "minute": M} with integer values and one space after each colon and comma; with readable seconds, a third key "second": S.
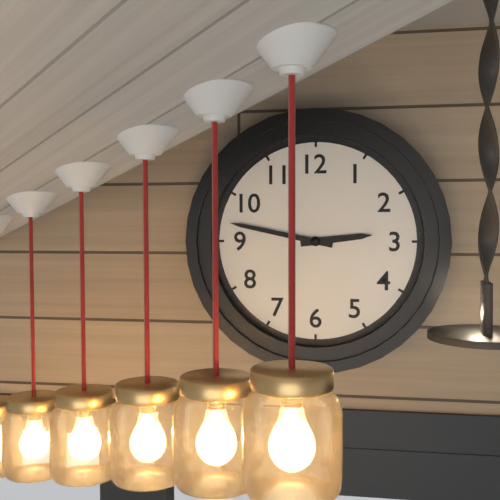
{"hour": 2, "minute": 47}
